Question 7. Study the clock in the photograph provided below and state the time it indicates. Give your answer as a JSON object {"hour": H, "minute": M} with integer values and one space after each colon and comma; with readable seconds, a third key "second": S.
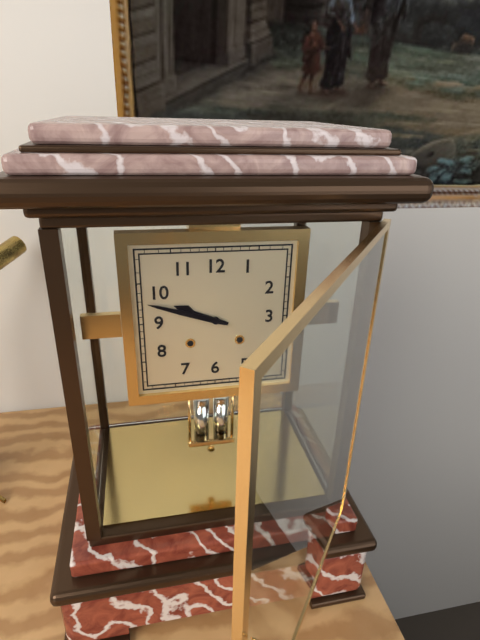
{"hour": 9, "minute": 48}
